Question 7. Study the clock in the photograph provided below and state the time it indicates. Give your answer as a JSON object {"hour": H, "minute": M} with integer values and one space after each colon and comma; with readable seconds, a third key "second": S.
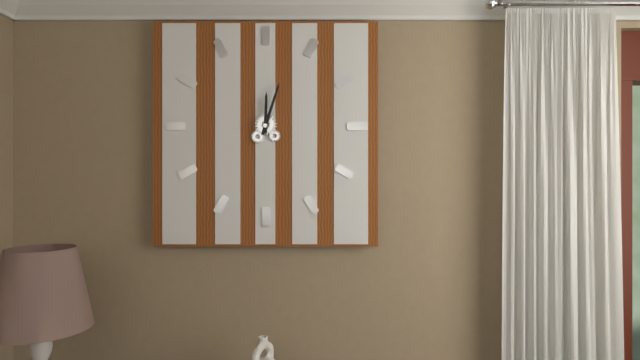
{"hour": 12, "minute": 3}
